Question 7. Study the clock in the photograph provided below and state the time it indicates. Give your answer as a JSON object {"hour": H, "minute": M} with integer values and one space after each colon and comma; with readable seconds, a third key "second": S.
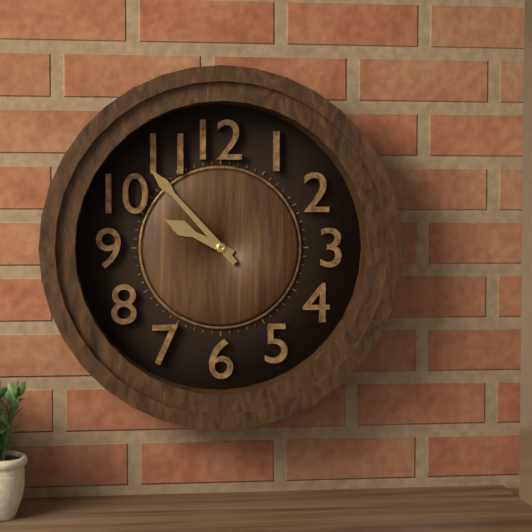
{"hour": 9, "minute": 53}
